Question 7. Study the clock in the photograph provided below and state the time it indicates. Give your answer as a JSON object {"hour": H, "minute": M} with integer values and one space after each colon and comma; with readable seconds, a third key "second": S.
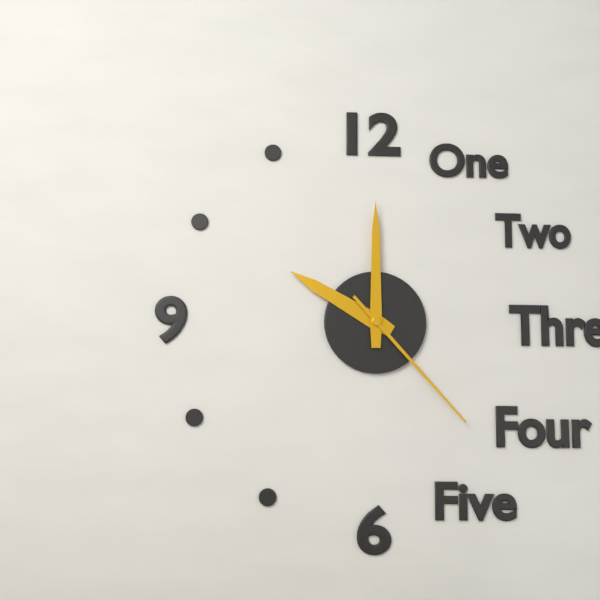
{"hour": 10, "minute": 0, "second": 23}
